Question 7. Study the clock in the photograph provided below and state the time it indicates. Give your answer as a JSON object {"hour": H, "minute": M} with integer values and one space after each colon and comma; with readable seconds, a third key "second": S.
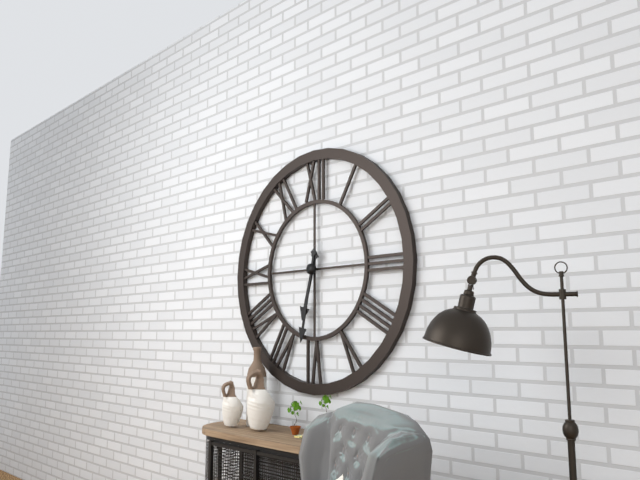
{"hour": 6, "minute": 32}
